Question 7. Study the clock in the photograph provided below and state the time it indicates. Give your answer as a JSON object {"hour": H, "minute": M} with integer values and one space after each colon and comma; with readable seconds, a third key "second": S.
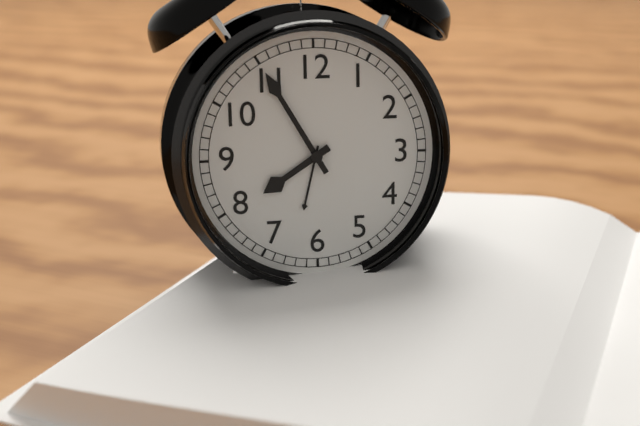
{"hour": 7, "minute": 55}
